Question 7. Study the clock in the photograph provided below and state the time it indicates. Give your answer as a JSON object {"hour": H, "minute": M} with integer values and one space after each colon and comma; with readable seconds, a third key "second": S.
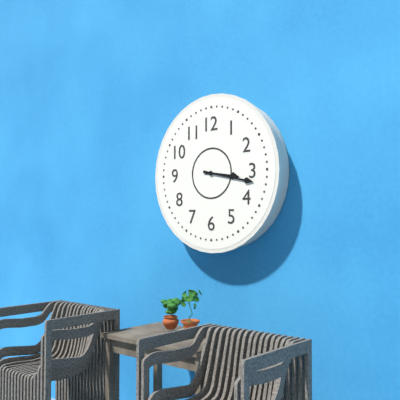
{"hour": 3, "minute": 17}
